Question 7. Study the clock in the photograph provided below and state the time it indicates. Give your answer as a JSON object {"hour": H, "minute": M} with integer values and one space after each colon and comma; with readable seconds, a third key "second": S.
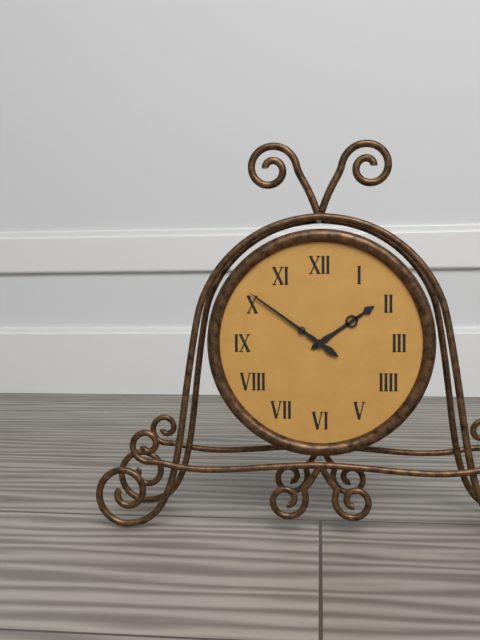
{"hour": 1, "minute": 51}
